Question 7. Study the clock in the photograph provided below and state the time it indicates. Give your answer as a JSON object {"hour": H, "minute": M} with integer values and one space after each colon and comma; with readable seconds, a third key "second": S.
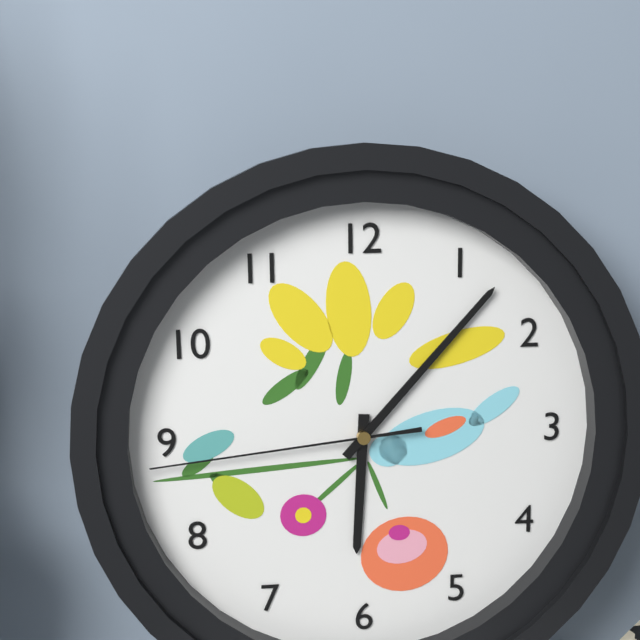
{"hour": 6, "minute": 7, "second": 44}
